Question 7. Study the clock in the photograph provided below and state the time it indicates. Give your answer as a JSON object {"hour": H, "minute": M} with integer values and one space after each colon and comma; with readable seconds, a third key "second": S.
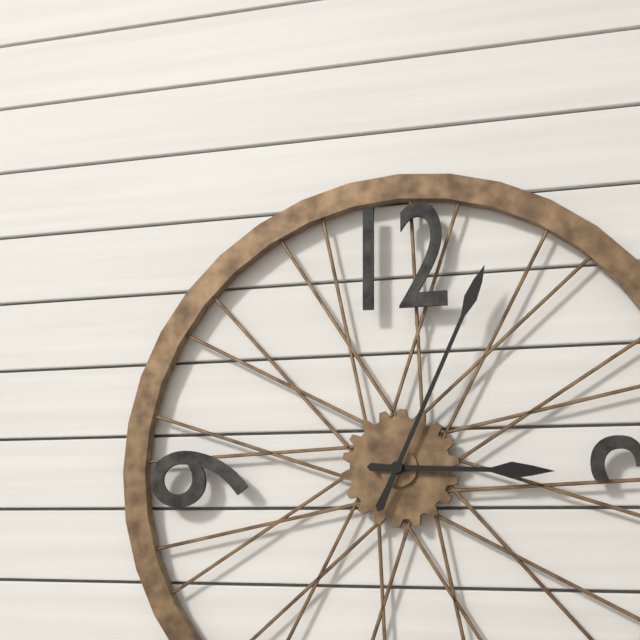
{"hour": 3, "minute": 4}
